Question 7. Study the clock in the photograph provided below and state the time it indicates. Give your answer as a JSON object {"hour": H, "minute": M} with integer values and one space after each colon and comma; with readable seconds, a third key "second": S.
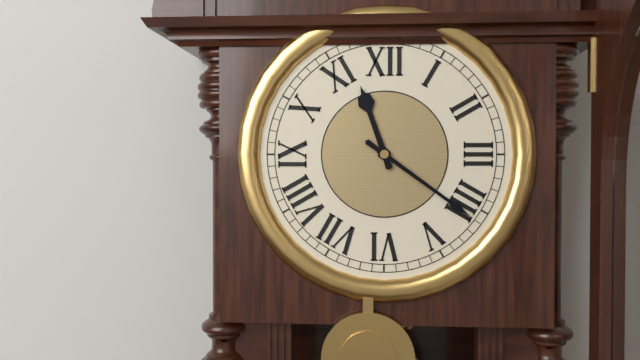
{"hour": 11, "minute": 21}
